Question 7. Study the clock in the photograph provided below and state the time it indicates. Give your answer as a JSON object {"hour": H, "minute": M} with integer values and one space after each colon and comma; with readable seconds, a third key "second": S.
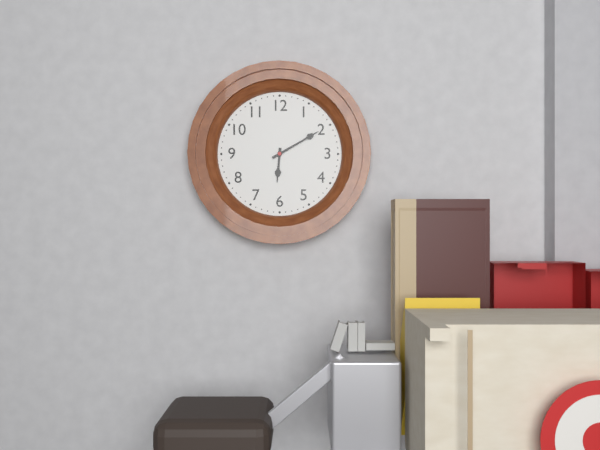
{"hour": 6, "minute": 10}
